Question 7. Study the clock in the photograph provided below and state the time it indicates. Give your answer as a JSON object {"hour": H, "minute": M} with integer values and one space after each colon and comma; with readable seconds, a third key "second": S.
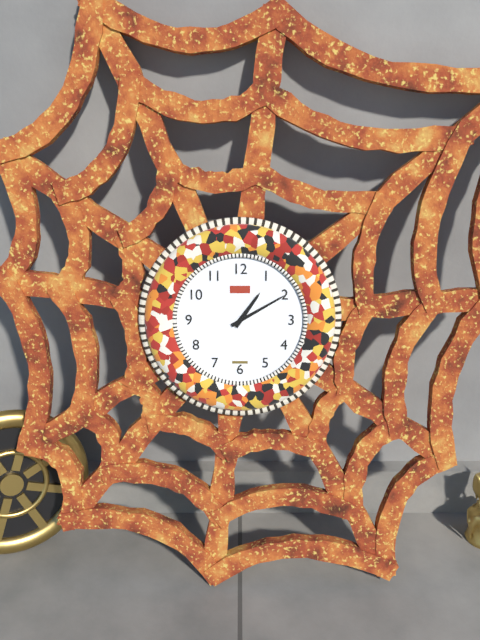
{"hour": 1, "minute": 10}
